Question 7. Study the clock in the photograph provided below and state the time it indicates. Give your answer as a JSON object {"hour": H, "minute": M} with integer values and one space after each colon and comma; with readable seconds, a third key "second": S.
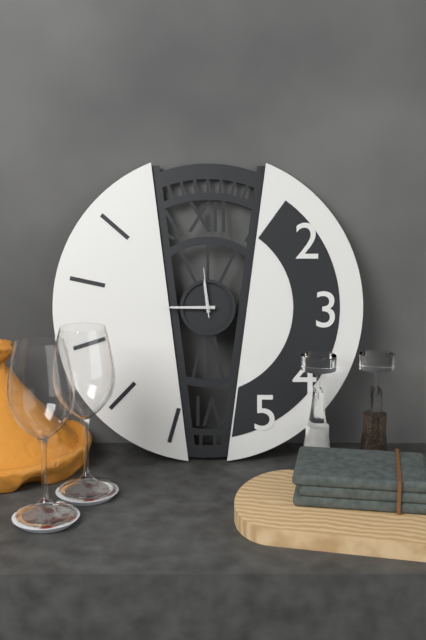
{"hour": 11, "minute": 45}
